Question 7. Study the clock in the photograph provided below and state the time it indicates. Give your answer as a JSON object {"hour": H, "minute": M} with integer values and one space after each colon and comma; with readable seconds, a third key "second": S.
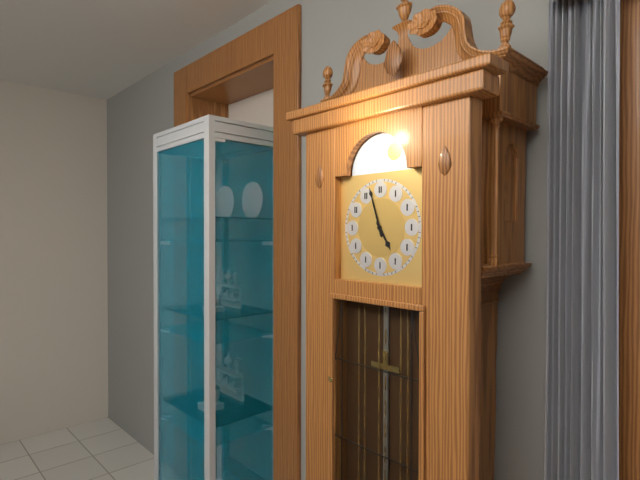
{"hour": 4, "minute": 57}
